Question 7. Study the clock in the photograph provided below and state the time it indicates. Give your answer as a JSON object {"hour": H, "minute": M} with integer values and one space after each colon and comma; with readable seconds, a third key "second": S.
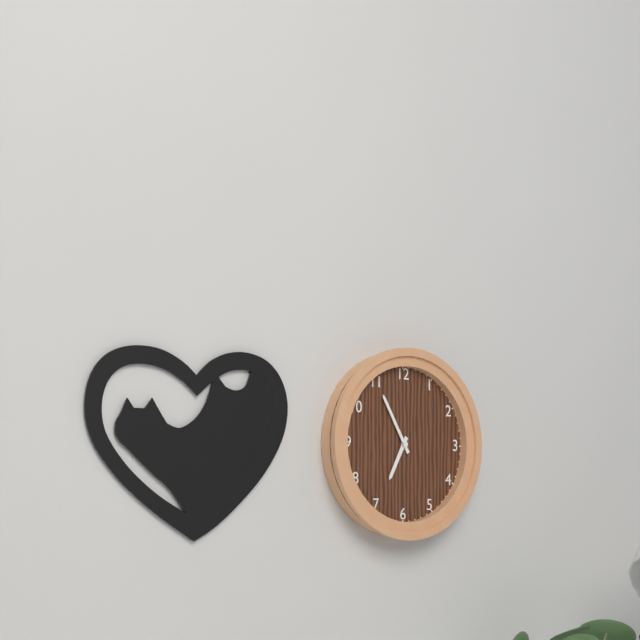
{"hour": 6, "minute": 55}
